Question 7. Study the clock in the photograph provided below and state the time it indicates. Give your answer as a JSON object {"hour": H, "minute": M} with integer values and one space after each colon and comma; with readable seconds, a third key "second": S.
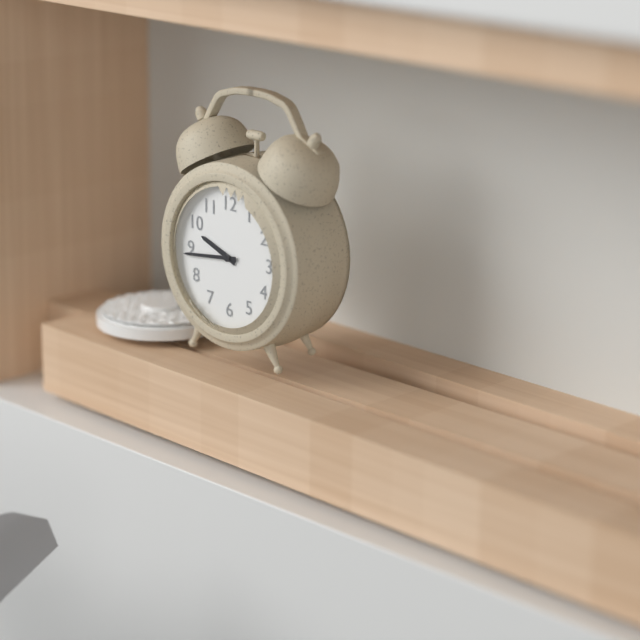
{"hour": 9, "minute": 44}
